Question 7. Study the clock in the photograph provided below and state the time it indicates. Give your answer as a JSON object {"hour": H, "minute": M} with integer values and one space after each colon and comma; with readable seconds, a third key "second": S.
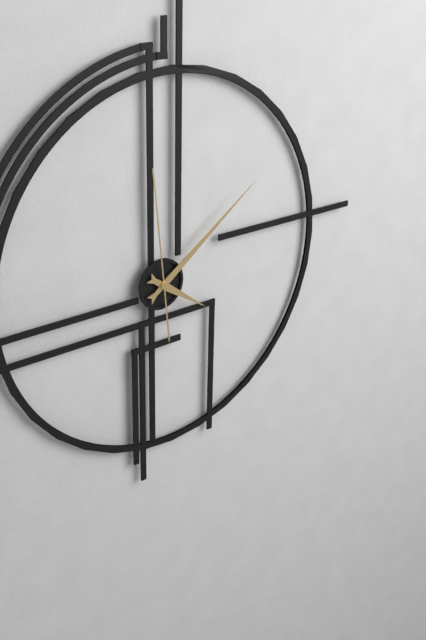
{"hour": 4, "minute": 9, "second": 59}
